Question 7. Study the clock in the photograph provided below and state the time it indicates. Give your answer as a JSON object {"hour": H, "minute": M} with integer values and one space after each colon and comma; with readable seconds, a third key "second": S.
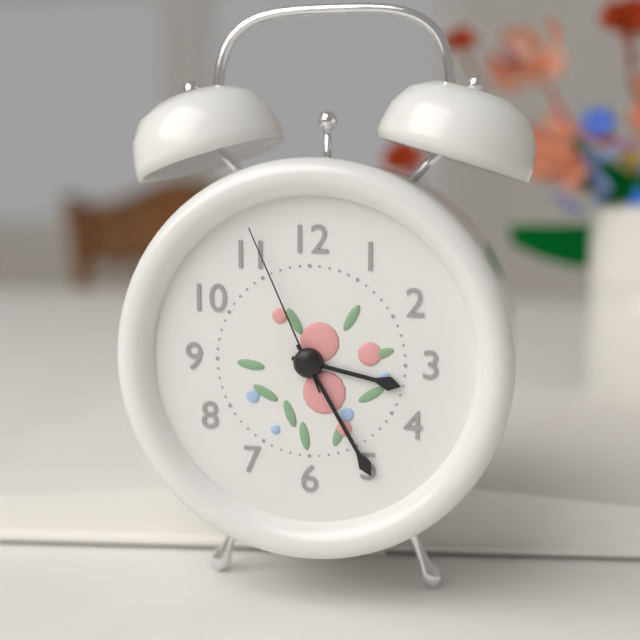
{"hour": 3, "minute": 25, "second": 56}
